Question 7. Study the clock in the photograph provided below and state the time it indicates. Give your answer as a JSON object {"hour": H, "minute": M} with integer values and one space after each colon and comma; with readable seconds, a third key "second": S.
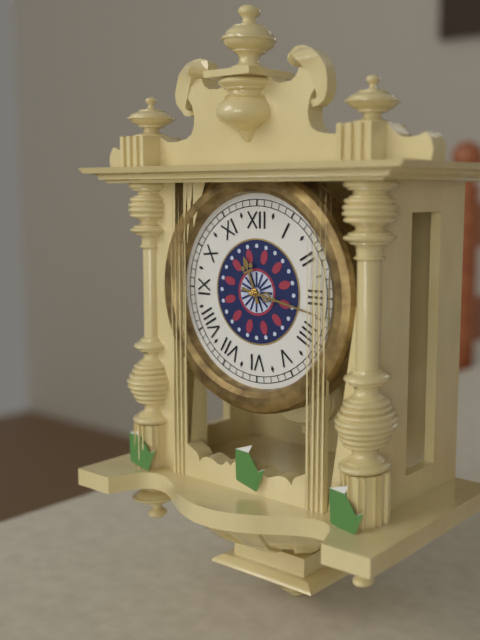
{"hour": 11, "minute": 17}
